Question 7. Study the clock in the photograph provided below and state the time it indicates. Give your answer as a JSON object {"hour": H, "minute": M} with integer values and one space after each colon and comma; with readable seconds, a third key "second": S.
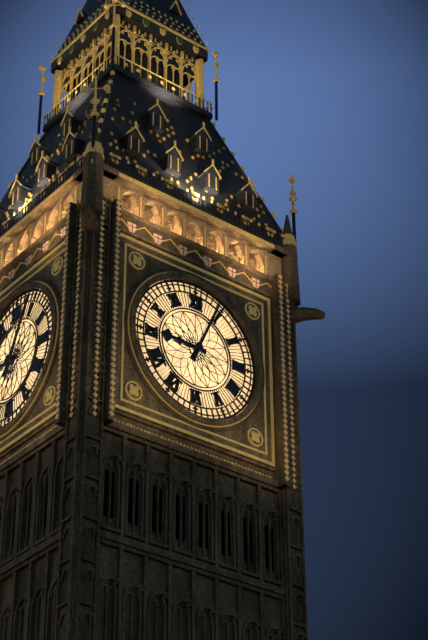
{"hour": 9, "minute": 4}
